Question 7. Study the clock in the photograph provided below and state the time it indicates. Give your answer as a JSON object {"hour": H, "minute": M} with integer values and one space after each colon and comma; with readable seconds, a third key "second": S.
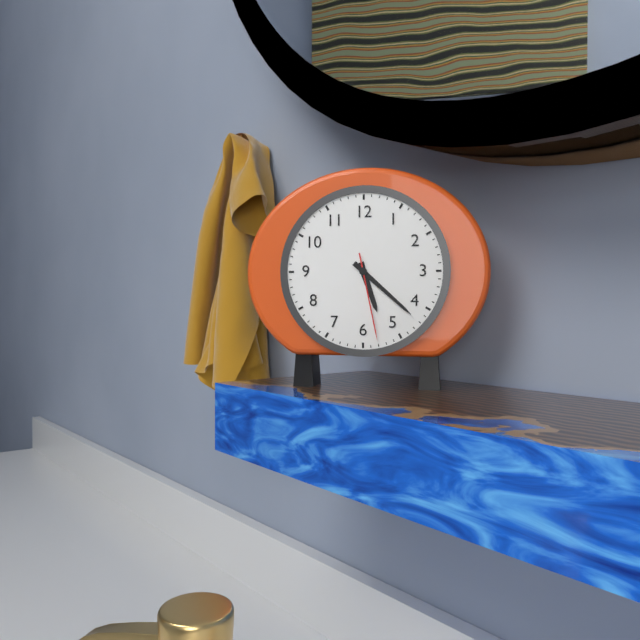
{"hour": 5, "minute": 22, "second": 28}
